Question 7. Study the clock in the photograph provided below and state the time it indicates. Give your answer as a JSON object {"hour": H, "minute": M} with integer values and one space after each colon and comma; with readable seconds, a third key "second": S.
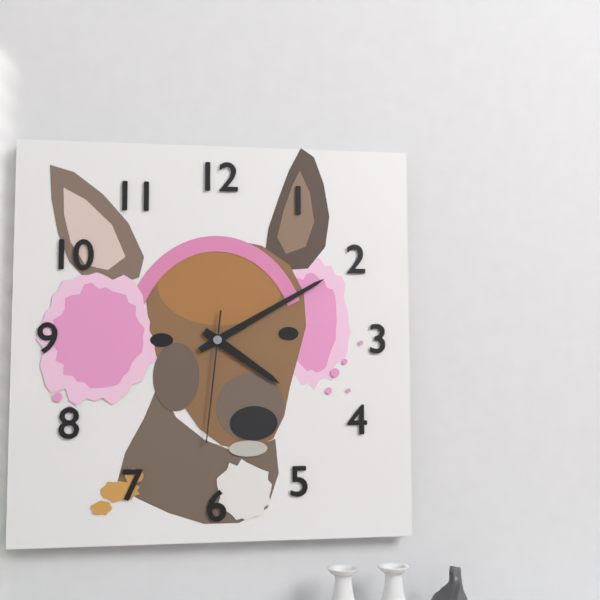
{"hour": 4, "minute": 10, "second": 31}
